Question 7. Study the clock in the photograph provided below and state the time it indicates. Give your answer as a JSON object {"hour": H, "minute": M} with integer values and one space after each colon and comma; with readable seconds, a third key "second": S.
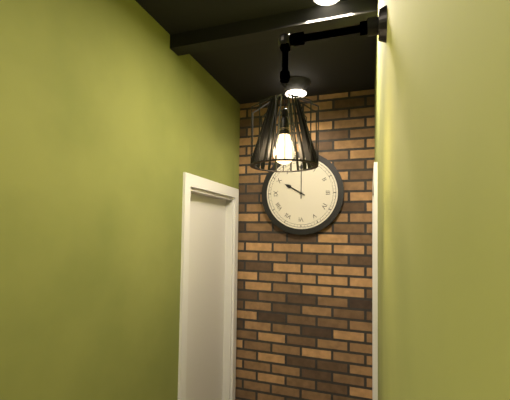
{"hour": 10, "minute": 0}
